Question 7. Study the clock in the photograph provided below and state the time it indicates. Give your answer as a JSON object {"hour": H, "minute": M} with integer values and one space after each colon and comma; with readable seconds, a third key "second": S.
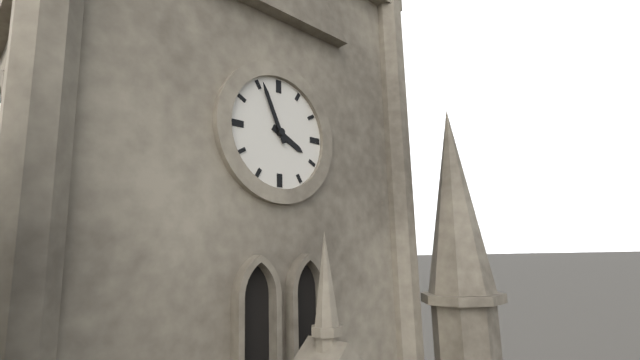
{"hour": 3, "minute": 56}
